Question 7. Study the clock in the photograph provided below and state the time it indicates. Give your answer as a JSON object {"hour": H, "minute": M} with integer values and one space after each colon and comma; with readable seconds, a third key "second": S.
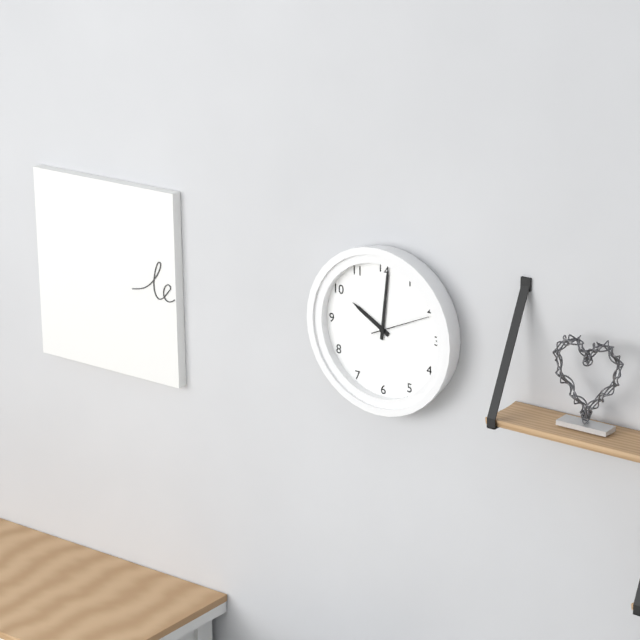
{"hour": 10, "minute": 1, "second": 11}
